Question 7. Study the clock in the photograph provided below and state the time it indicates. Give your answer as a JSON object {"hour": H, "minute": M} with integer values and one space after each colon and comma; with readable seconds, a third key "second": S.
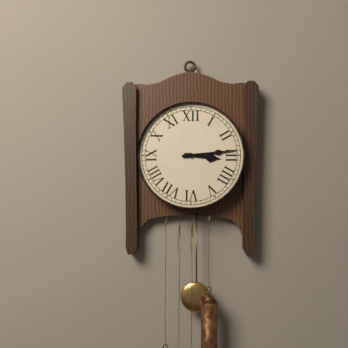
{"hour": 3, "minute": 14}
